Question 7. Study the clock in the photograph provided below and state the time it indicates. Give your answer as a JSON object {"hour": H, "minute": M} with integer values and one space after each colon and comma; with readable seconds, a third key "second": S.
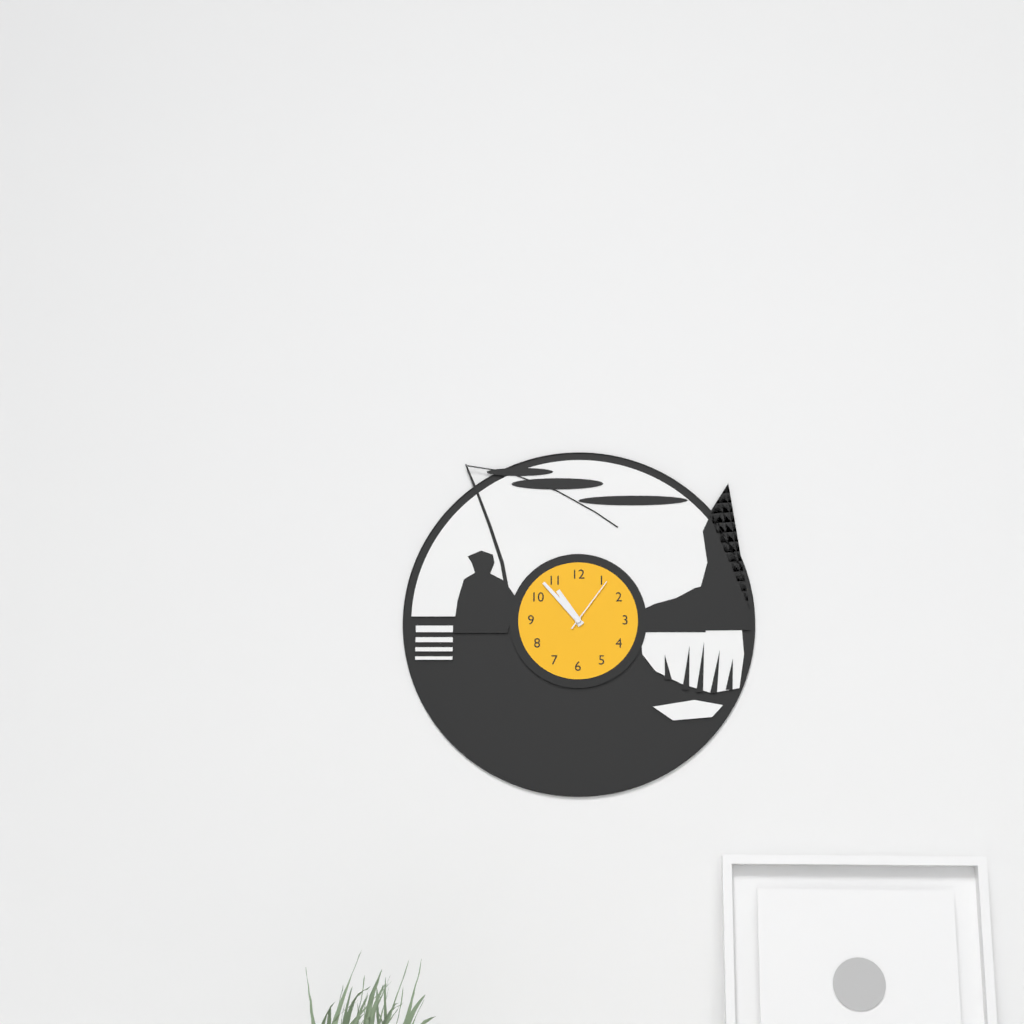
{"hour": 10, "minute": 53, "second": 6}
